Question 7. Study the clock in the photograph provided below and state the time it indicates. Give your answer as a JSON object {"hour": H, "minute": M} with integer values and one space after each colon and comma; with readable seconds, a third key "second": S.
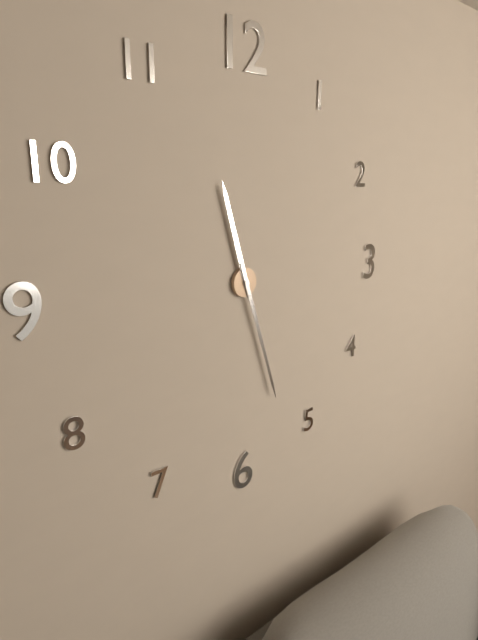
{"hour": 11, "minute": 27}
